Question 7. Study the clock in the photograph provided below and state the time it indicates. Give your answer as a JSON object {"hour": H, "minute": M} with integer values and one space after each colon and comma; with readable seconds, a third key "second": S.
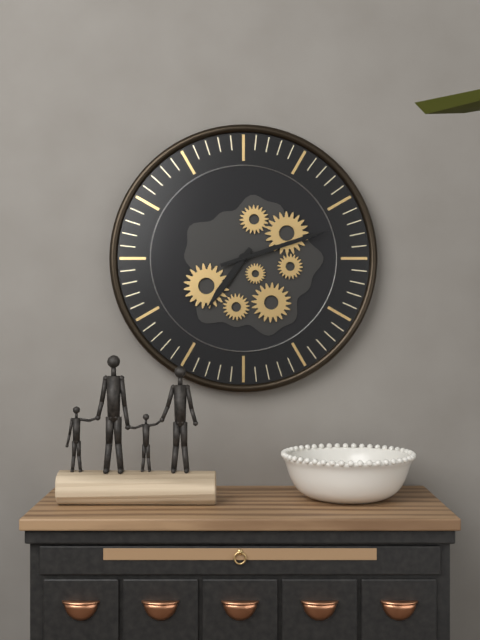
{"hour": 7, "minute": 12}
